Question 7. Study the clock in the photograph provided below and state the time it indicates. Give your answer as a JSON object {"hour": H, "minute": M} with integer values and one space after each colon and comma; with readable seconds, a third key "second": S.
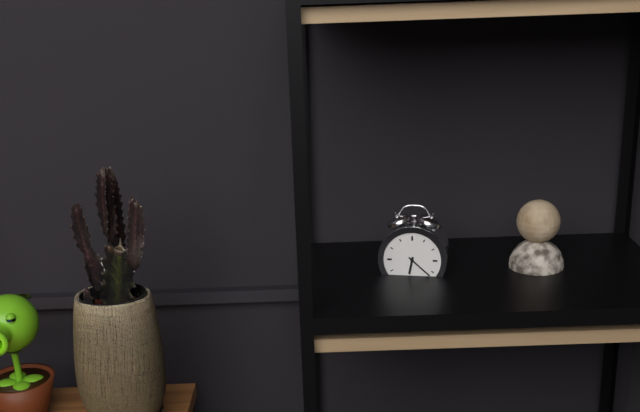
{"hour": 6, "minute": 22}
